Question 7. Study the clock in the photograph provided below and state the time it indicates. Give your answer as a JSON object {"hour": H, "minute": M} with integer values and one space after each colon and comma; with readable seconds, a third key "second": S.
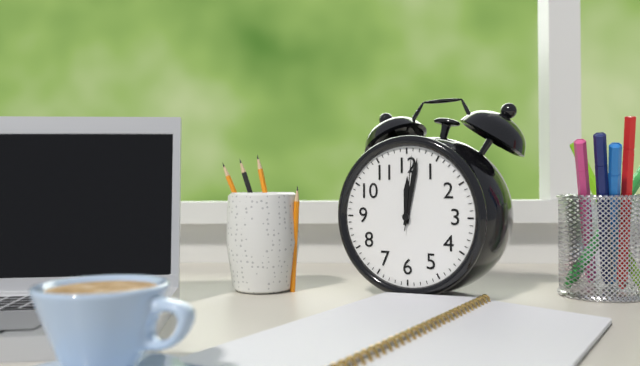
{"hour": 12, "minute": 2, "second": 1}
